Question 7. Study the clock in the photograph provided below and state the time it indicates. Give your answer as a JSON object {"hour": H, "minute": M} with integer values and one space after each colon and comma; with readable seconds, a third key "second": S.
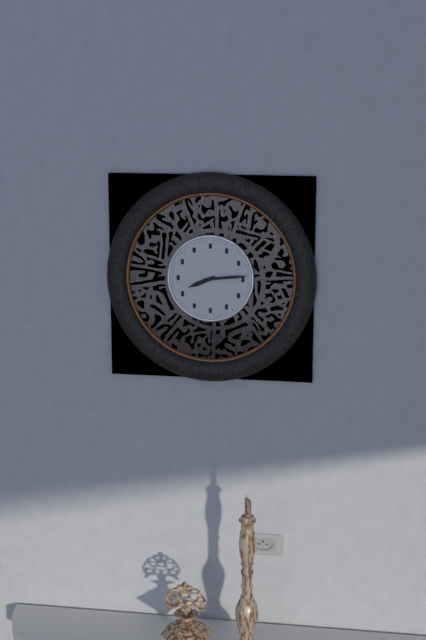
{"hour": 8, "minute": 14}
